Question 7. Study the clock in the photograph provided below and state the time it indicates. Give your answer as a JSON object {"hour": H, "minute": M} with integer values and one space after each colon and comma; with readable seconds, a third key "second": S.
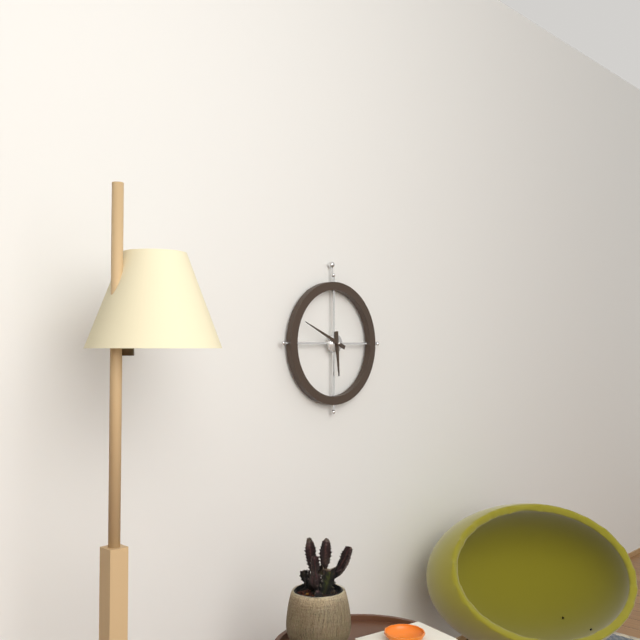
{"hour": 5, "minute": 49}
